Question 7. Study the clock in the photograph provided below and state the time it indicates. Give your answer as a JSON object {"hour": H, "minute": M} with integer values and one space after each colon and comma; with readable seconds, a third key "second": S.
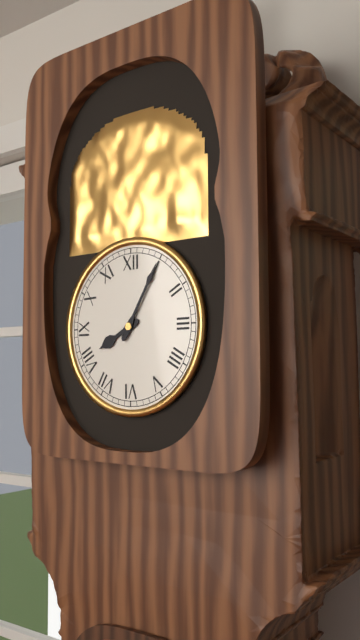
{"hour": 8, "minute": 5}
